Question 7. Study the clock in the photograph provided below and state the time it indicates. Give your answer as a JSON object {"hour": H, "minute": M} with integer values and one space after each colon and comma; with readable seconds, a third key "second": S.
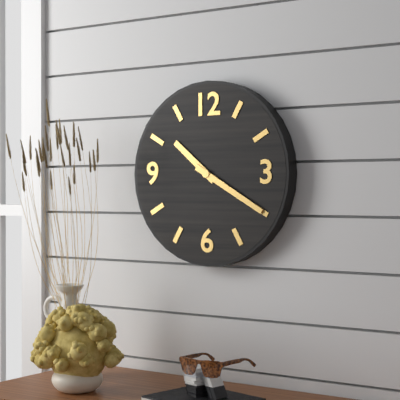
{"hour": 10, "minute": 20}
